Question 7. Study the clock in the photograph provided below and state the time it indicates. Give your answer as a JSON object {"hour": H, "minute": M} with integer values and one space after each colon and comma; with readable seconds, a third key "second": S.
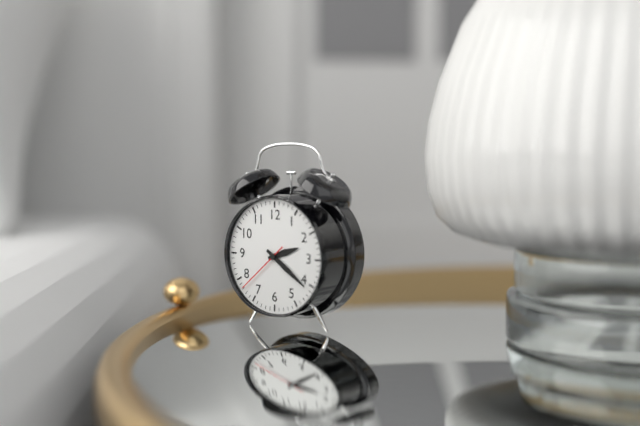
{"hour": 2, "minute": 21, "second": 38}
